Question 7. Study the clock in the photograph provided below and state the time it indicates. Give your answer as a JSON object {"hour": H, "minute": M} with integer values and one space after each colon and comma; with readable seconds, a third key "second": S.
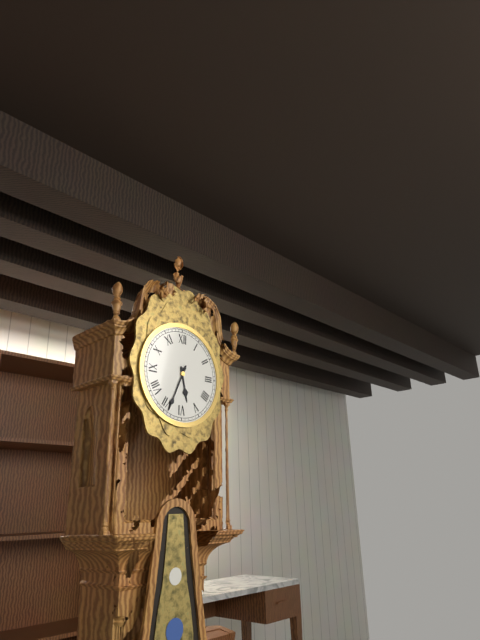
{"hour": 5, "minute": 34}
